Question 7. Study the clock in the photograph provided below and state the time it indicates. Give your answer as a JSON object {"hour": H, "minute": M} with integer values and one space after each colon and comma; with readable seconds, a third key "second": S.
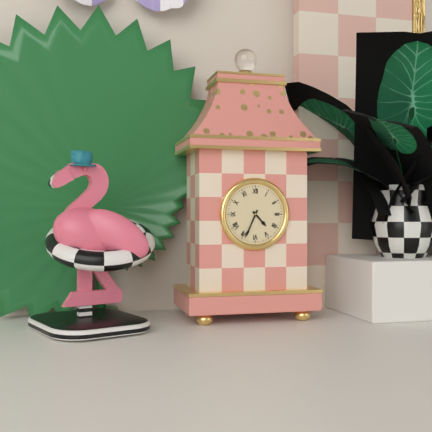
{"hour": 4, "minute": 34}
